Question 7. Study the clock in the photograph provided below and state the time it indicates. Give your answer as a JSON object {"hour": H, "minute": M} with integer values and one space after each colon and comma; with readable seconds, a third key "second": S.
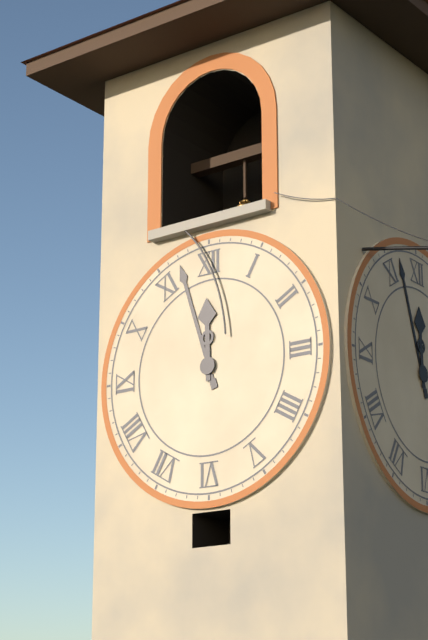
{"hour": 11, "minute": 57}
